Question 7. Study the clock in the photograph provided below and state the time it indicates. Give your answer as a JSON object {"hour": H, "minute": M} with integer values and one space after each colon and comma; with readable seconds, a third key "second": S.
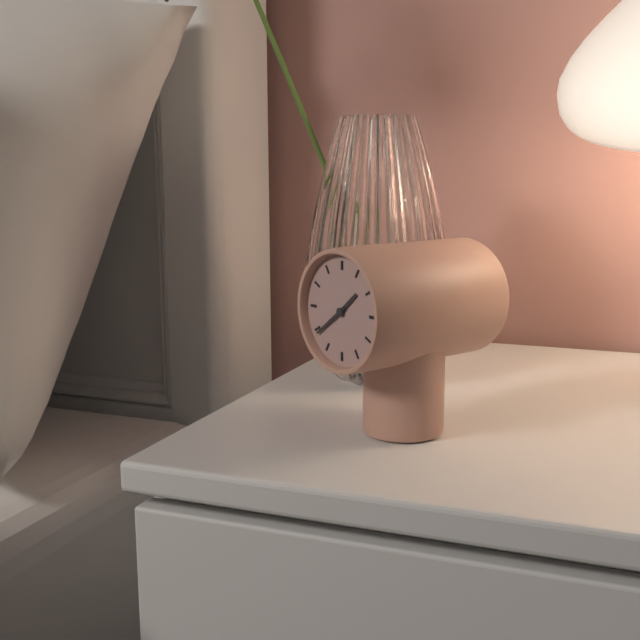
{"hour": 1, "minute": 39}
